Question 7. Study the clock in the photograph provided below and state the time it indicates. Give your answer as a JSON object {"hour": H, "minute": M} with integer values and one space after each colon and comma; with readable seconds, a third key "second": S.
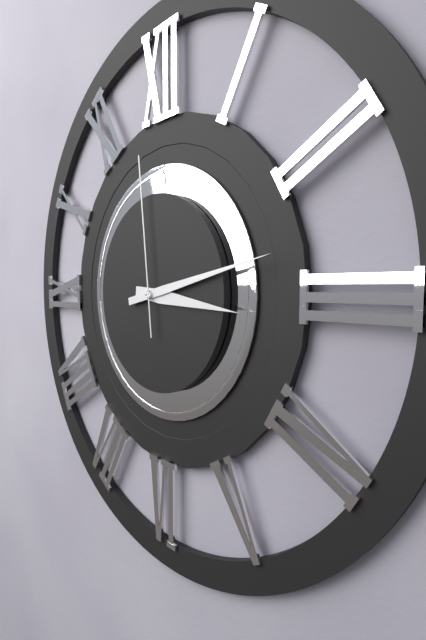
{"hour": 3, "minute": 13, "second": 59}
